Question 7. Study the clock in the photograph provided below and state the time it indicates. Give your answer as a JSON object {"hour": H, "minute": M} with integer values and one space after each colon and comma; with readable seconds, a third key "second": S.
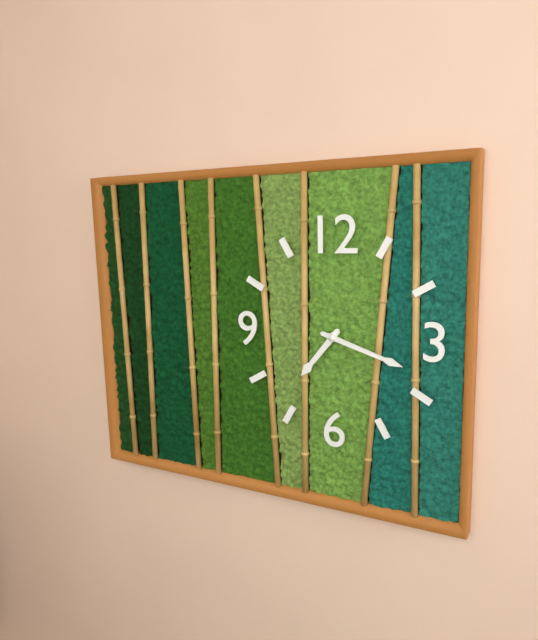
{"hour": 7, "minute": 18}
